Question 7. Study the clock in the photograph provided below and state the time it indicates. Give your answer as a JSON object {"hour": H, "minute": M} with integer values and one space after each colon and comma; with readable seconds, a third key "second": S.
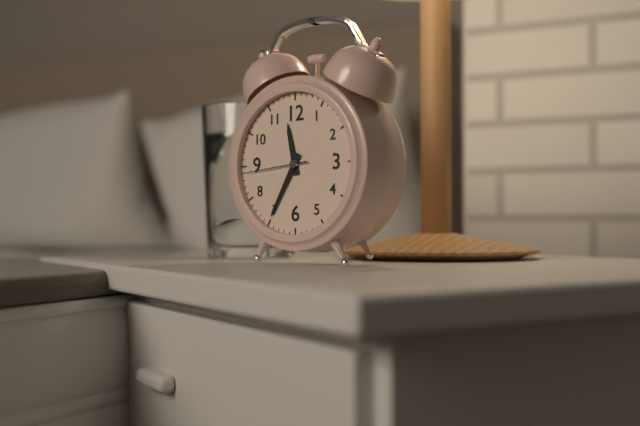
{"hour": 11, "minute": 35, "second": 44}
